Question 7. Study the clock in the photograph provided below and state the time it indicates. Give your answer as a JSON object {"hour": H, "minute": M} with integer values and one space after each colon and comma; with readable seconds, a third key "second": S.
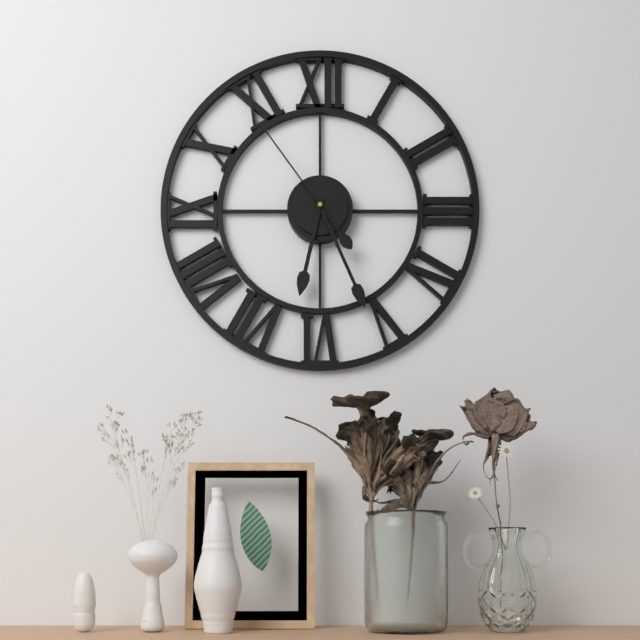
{"hour": 6, "minute": 26, "second": 54}
